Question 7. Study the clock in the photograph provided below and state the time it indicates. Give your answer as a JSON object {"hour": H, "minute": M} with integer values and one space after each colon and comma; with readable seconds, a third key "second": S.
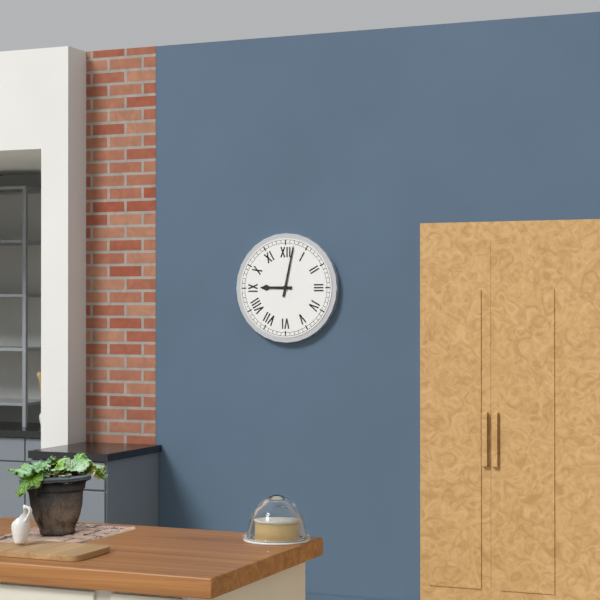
{"hour": 9, "minute": 2}
